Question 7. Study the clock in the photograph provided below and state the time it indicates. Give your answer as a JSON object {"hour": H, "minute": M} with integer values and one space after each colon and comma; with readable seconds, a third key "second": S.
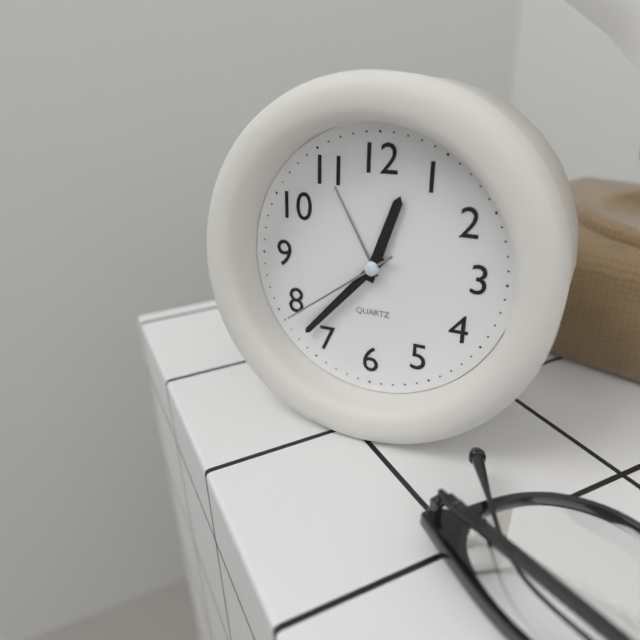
{"hour": 12, "minute": 37, "second": 39}
